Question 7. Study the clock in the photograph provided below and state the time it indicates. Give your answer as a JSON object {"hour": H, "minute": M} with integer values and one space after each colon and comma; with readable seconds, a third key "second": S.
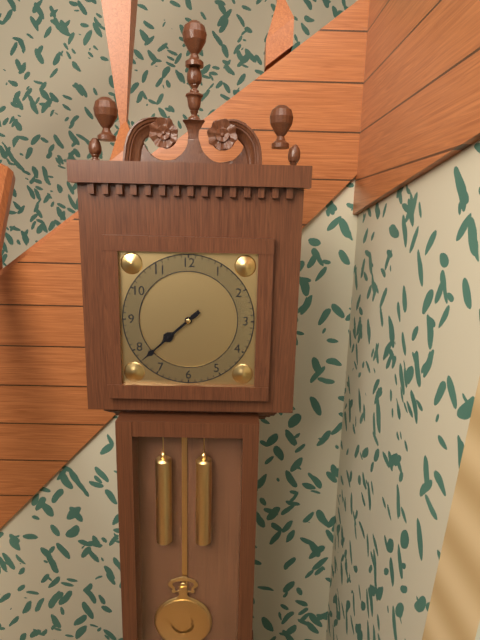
{"hour": 7, "minute": 38}
